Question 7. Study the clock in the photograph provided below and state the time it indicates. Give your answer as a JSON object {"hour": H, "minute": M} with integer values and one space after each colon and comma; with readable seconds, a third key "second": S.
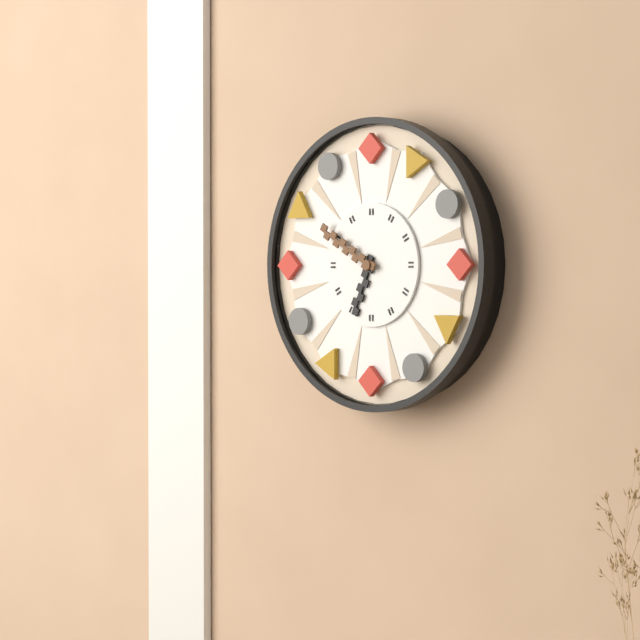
{"hour": 6, "minute": 50}
